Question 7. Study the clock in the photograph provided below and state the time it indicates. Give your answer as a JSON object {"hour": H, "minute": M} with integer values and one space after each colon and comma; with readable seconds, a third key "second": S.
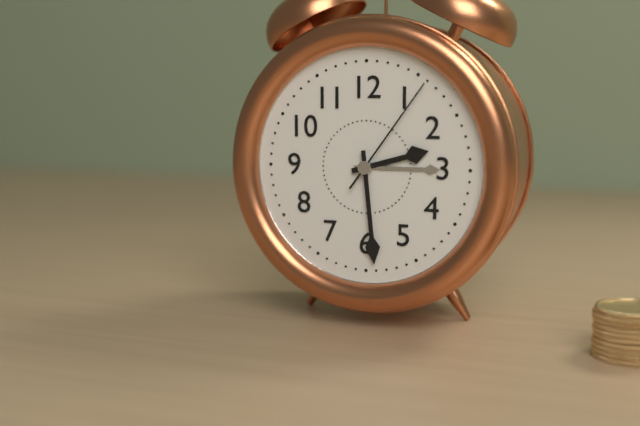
{"hour": 2, "minute": 29, "second": 6}
